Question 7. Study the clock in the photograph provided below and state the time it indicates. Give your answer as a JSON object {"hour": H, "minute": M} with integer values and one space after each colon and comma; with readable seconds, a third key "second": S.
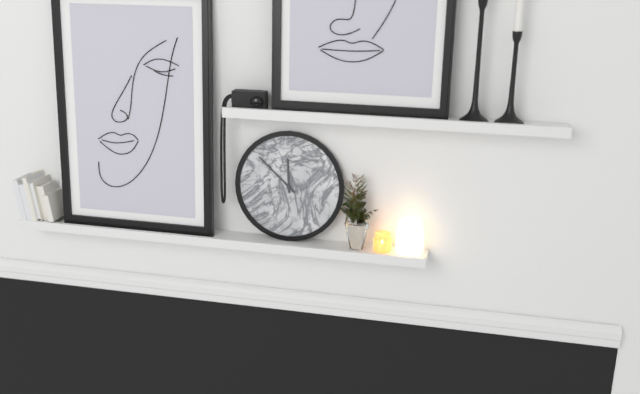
{"hour": 11, "minute": 52}
